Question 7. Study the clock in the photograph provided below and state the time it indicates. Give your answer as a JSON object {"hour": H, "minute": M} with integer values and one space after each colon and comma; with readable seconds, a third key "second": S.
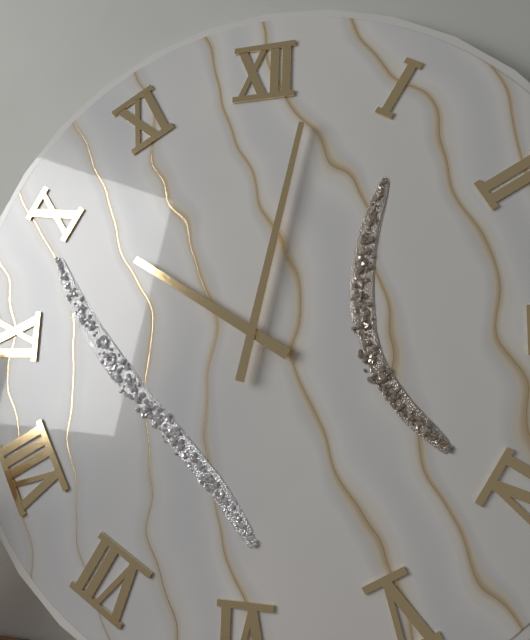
{"hour": 10, "minute": 2}
